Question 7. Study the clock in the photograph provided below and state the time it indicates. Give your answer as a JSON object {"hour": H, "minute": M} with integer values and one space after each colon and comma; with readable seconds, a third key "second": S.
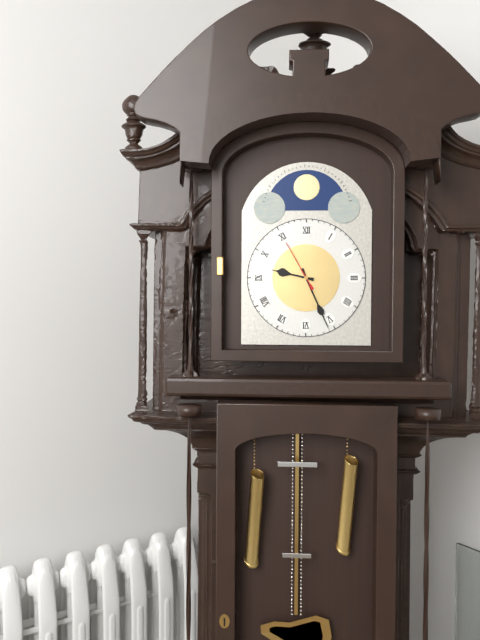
{"hour": 9, "minute": 26, "second": 55}
